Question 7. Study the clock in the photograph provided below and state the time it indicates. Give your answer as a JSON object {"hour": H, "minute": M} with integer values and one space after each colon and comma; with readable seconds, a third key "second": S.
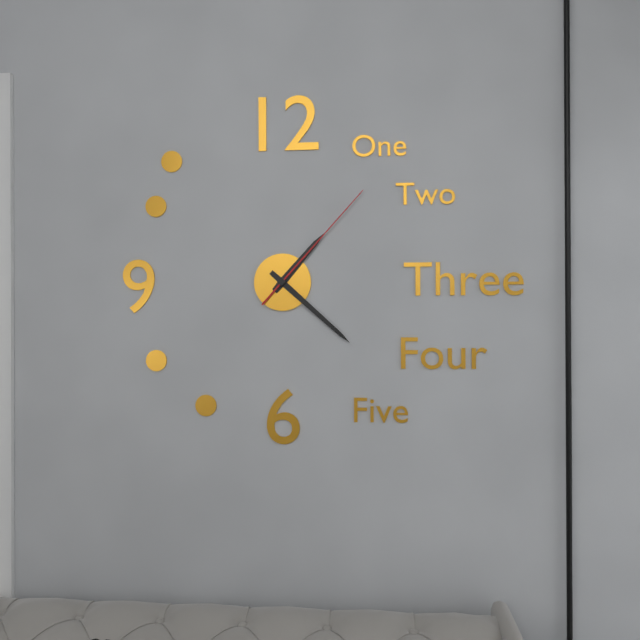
{"hour": 1, "minute": 22, "second": 7}
